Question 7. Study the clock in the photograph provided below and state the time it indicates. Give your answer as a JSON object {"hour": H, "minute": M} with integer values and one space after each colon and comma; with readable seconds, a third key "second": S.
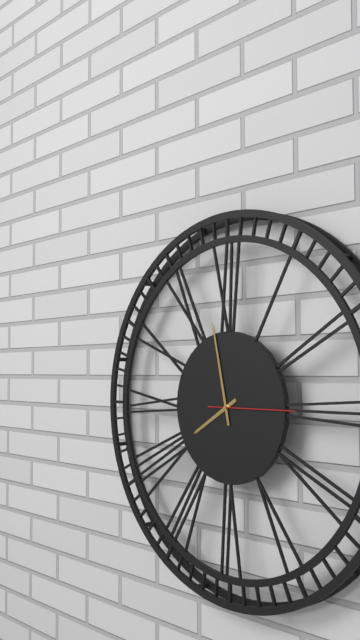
{"hour": 7, "minute": 58, "second": 15}
